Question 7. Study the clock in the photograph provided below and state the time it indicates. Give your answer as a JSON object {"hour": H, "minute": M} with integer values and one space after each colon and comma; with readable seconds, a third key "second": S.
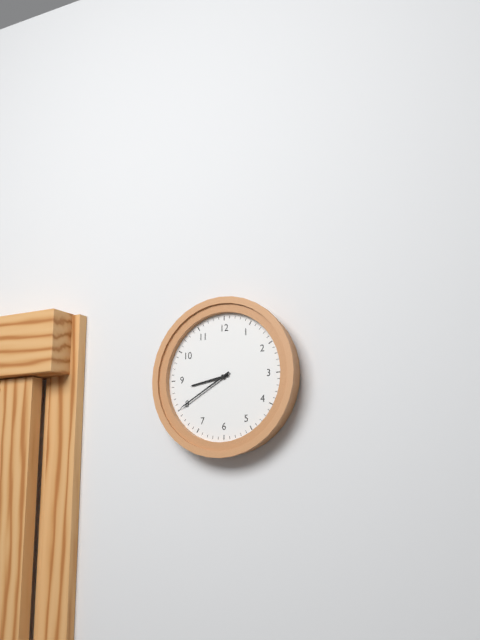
{"hour": 8, "minute": 40}
